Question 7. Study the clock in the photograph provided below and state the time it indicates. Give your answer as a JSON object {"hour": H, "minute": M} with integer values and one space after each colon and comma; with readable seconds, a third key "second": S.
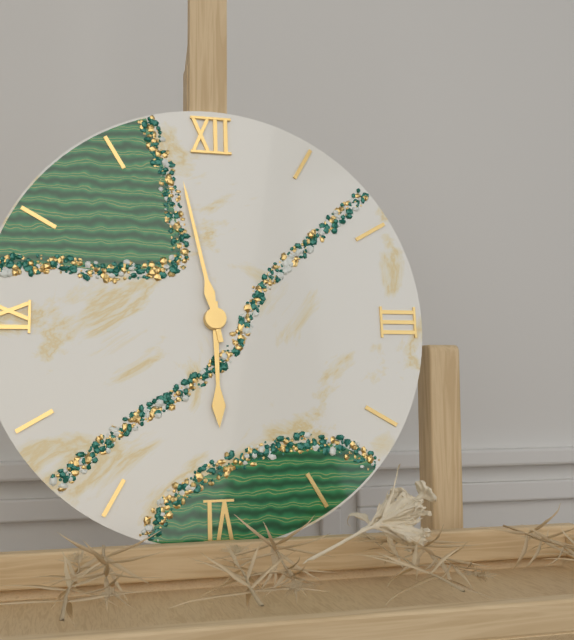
{"hour": 5, "minute": 58}
